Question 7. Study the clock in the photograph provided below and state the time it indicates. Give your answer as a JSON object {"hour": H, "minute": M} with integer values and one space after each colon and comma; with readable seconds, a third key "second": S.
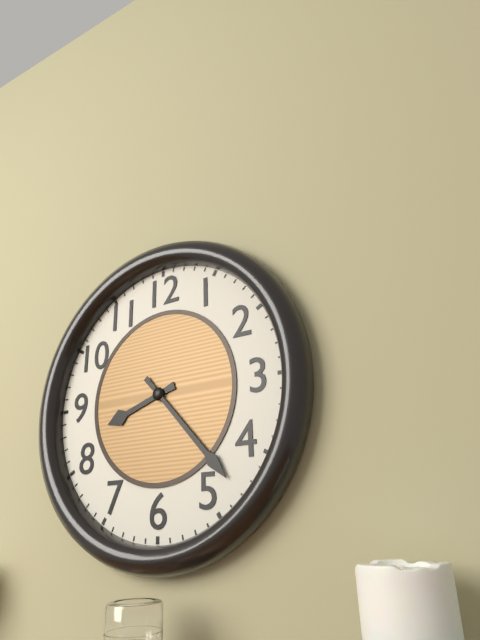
{"hour": 8, "minute": 23}
